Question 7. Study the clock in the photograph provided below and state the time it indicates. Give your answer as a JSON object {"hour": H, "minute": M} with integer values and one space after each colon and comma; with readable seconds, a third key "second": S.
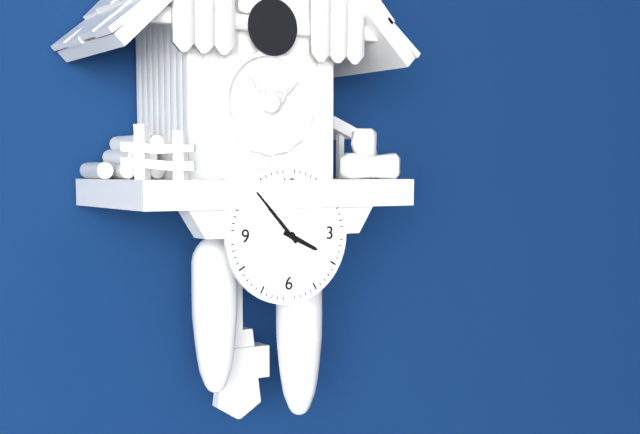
{"hour": 3, "minute": 53}
